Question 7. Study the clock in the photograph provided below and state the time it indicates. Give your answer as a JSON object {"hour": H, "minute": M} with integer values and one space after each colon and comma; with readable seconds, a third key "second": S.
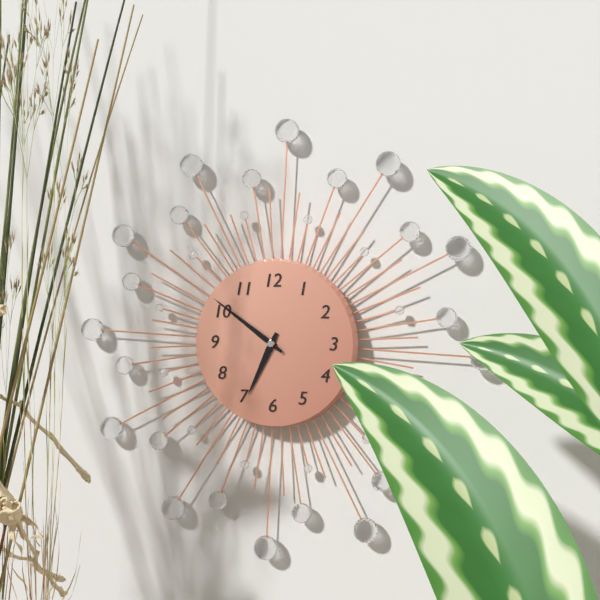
{"hour": 6, "minute": 51}
